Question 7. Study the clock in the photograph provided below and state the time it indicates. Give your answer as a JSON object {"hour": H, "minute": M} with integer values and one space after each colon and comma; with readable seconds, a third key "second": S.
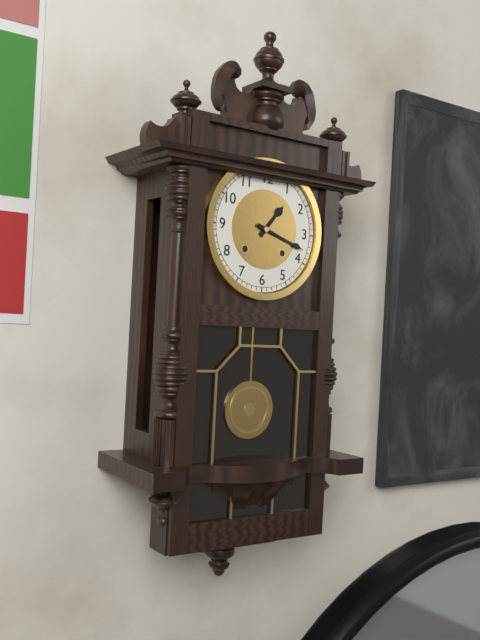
{"hour": 1, "minute": 18}
